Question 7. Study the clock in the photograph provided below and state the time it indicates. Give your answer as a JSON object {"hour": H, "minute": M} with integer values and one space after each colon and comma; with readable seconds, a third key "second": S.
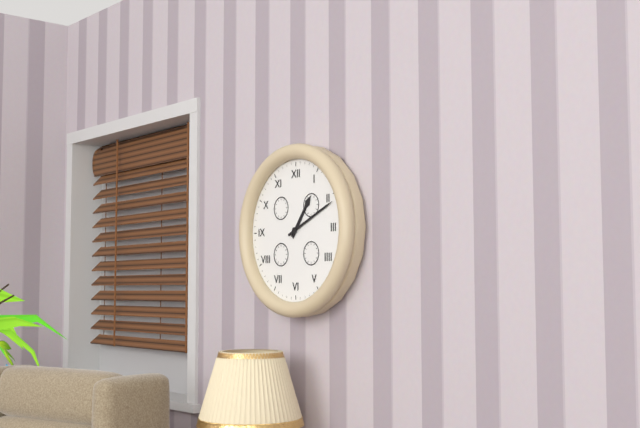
{"hour": 1, "minute": 11}
